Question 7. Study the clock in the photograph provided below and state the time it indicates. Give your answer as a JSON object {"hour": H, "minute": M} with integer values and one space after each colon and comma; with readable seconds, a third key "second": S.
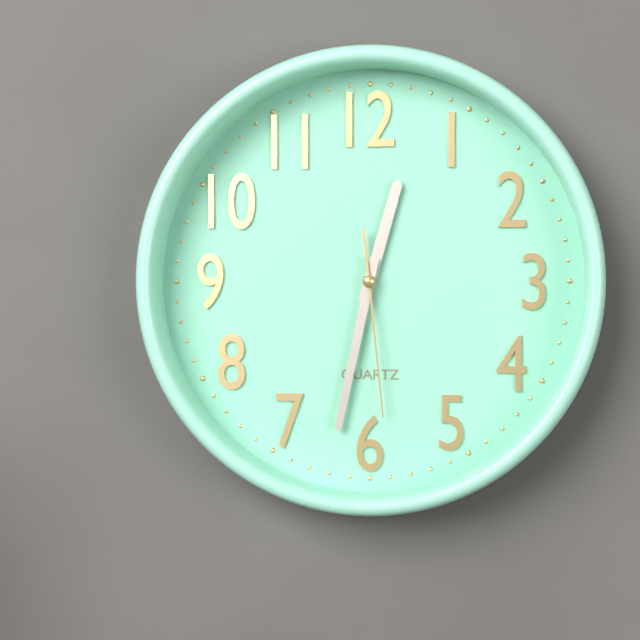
{"hour": 12, "minute": 32, "second": 29}
